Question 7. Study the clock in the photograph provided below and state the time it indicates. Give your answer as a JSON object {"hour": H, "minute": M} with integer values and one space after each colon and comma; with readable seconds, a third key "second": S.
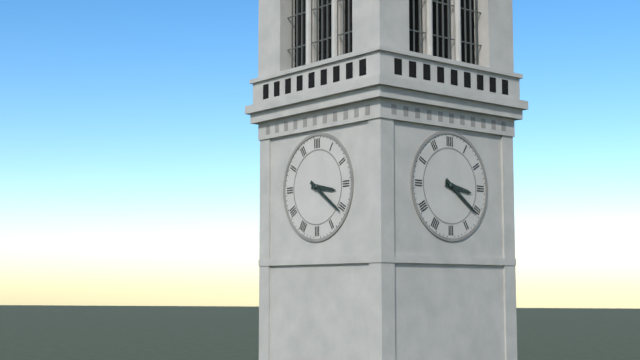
{"hour": 3, "minute": 21}
